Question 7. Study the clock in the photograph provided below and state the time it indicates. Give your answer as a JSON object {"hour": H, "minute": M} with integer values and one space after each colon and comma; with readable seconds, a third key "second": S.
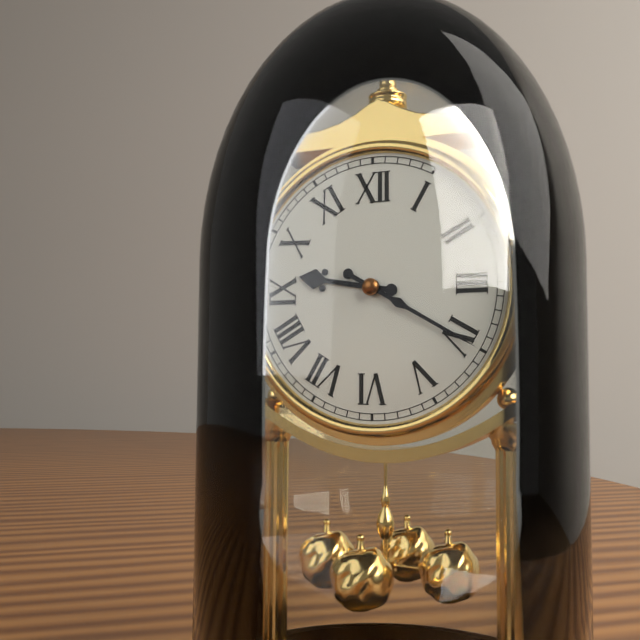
{"hour": 9, "minute": 20}
